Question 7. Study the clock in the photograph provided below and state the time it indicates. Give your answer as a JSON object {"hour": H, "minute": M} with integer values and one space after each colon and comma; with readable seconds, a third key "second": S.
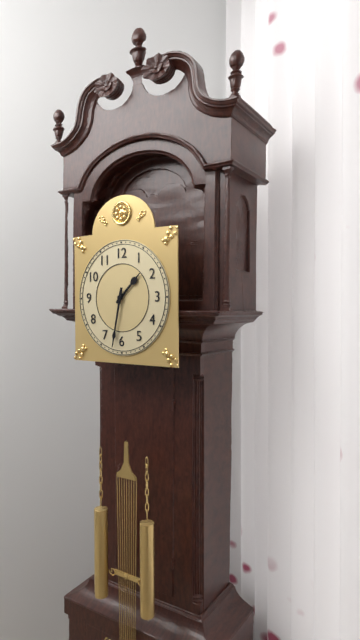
{"hour": 1, "minute": 32}
